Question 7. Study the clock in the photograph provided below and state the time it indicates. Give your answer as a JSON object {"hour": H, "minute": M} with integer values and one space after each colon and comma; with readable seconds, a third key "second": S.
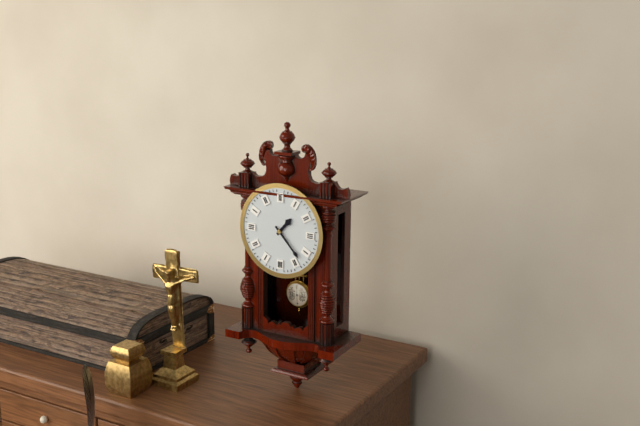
{"hour": 1, "minute": 23}
